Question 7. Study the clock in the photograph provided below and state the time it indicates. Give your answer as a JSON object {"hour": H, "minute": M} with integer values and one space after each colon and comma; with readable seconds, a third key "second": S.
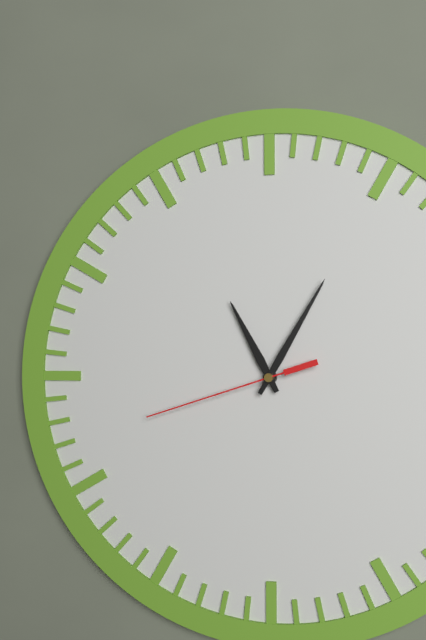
{"hour": 11, "minute": 5, "second": 42}
